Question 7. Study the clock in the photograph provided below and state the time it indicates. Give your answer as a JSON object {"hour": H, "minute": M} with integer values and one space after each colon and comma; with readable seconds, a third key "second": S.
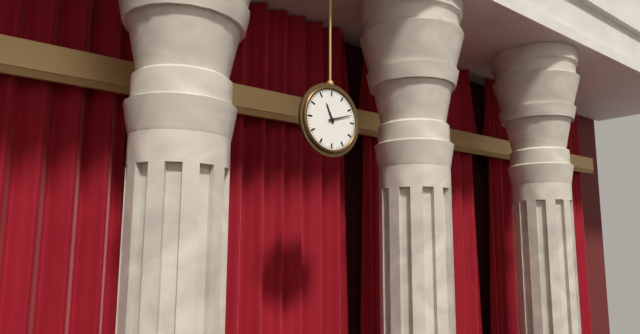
{"hour": 11, "minute": 12}
